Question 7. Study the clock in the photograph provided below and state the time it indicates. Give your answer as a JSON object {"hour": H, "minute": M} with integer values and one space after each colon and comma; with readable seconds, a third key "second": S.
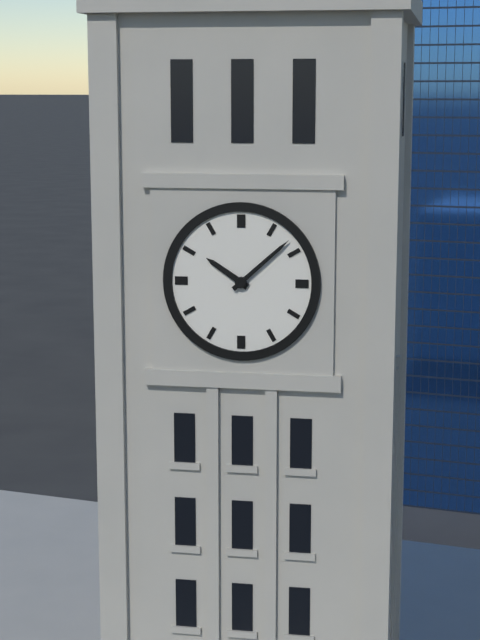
{"hour": 10, "minute": 8}
